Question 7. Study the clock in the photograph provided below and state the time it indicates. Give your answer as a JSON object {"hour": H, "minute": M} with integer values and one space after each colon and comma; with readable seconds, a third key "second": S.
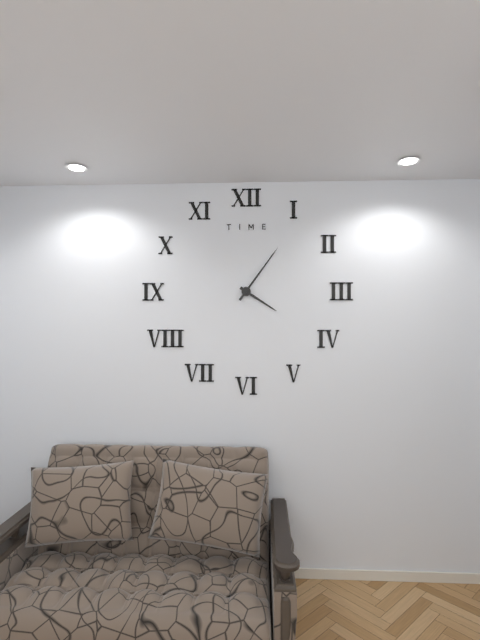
{"hour": 4, "minute": 6}
